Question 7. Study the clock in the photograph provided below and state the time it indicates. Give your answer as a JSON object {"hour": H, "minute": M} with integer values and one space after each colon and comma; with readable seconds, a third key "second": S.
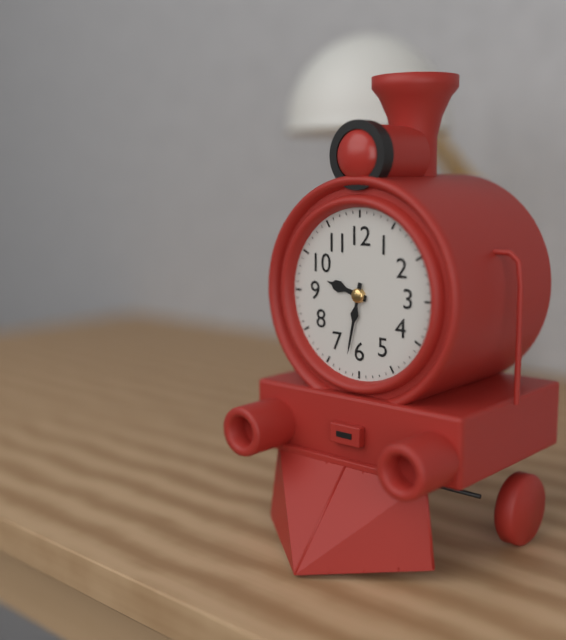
{"hour": 9, "minute": 32}
